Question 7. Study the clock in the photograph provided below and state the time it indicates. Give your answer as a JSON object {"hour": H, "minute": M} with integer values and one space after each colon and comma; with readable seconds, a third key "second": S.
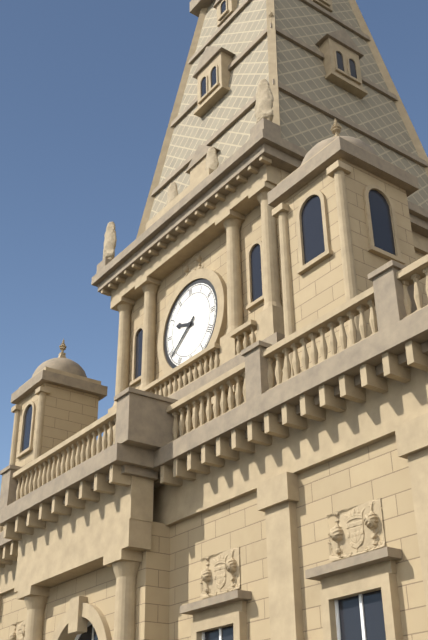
{"hour": 9, "minute": 39}
